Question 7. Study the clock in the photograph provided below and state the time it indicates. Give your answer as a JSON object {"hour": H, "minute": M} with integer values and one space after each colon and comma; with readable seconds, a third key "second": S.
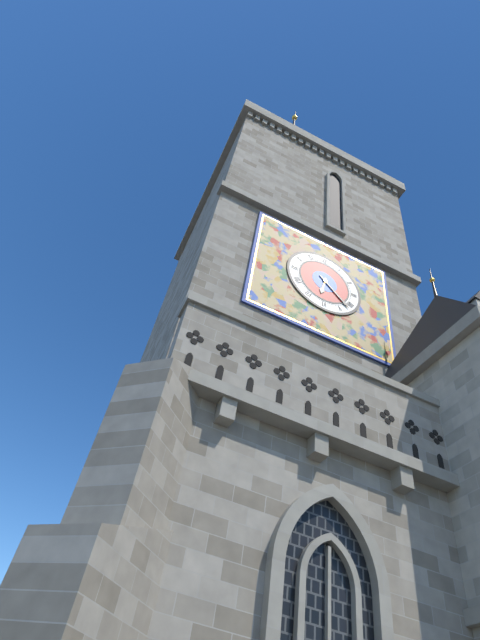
{"hour": 6, "minute": 22}
